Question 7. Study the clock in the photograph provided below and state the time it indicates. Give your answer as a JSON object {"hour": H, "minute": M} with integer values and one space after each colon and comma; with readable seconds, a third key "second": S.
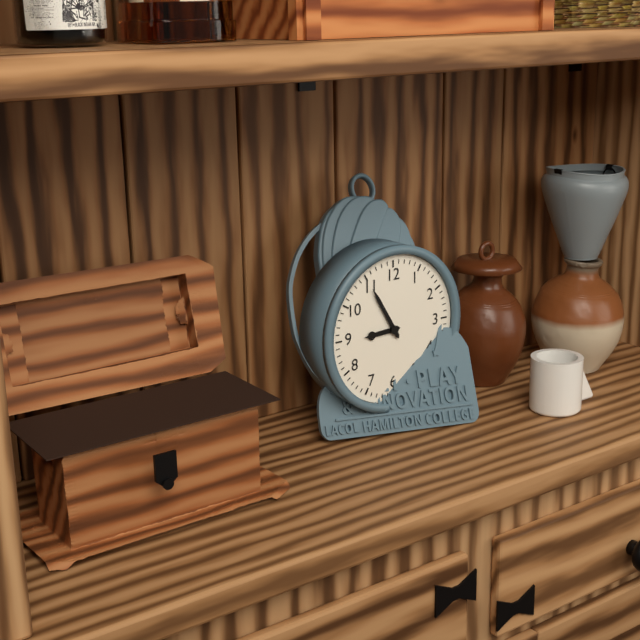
{"hour": 8, "minute": 55}
